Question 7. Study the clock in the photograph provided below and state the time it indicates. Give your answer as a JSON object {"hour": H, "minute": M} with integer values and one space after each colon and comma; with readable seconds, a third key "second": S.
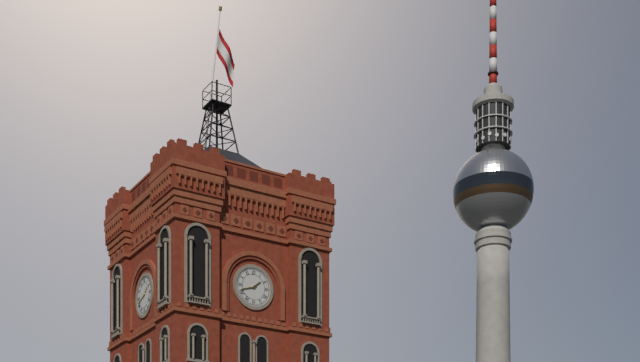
{"hour": 1, "minute": 42}
